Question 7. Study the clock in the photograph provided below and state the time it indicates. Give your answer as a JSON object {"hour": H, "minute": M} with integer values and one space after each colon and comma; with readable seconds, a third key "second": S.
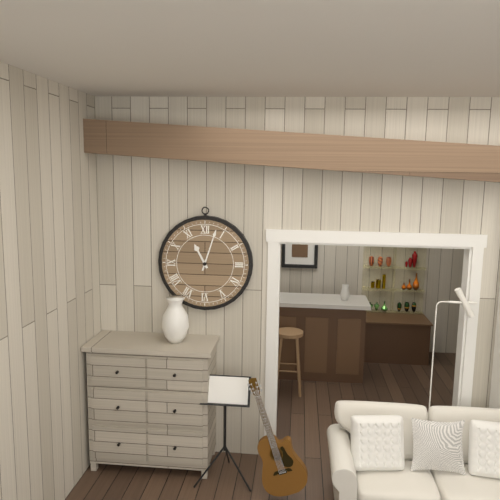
{"hour": 11, "minute": 3}
